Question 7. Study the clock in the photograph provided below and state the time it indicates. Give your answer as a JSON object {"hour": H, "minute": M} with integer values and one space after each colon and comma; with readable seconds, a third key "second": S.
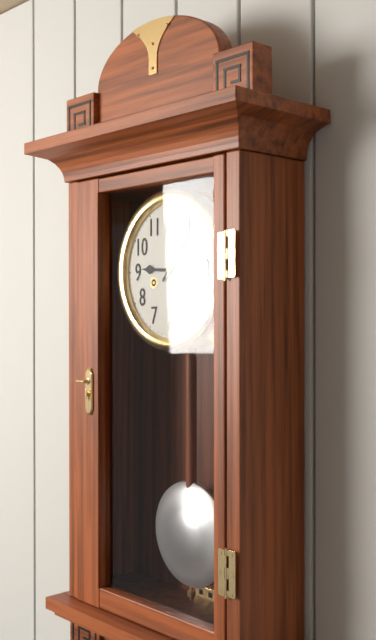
{"hour": 9, "minute": 7}
